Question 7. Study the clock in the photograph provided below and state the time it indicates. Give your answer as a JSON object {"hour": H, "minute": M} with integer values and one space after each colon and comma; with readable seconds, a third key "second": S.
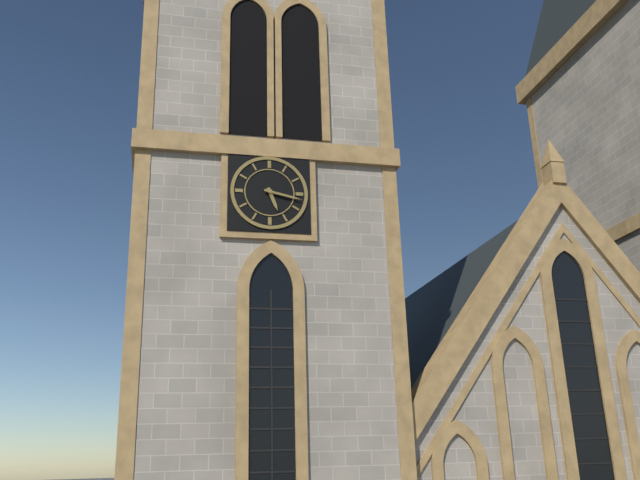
{"hour": 5, "minute": 17}
